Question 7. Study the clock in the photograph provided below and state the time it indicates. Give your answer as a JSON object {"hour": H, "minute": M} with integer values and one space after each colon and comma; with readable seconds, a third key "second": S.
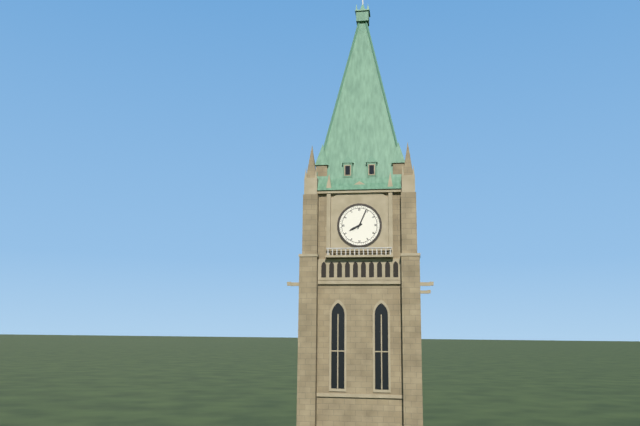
{"hour": 8, "minute": 4}
